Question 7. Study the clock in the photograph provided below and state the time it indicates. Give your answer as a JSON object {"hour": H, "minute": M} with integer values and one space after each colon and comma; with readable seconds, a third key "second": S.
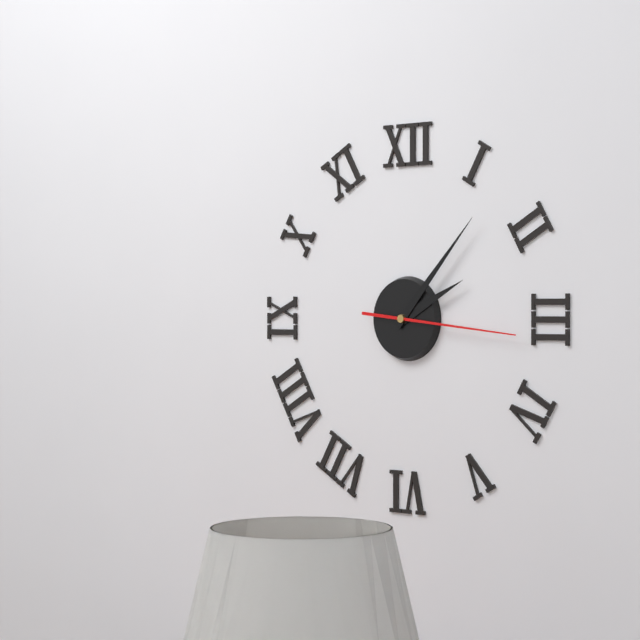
{"hour": 2, "minute": 7, "second": 16}
